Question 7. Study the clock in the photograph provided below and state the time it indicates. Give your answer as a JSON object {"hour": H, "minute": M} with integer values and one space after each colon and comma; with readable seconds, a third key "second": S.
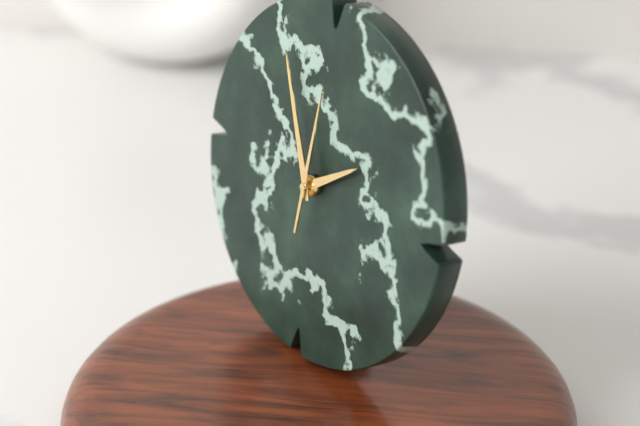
{"hour": 1, "minute": 56, "second": 1}
